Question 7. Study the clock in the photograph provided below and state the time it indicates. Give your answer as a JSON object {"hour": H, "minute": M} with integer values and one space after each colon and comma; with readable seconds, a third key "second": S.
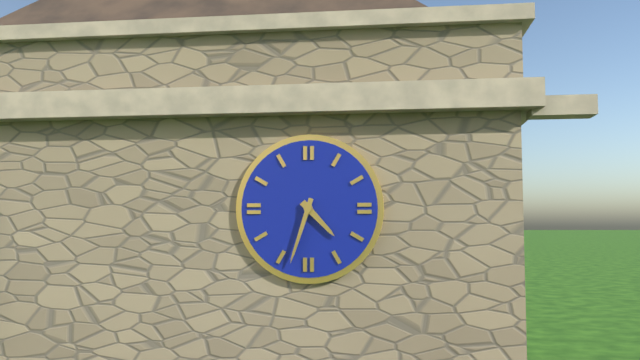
{"hour": 4, "minute": 33}
